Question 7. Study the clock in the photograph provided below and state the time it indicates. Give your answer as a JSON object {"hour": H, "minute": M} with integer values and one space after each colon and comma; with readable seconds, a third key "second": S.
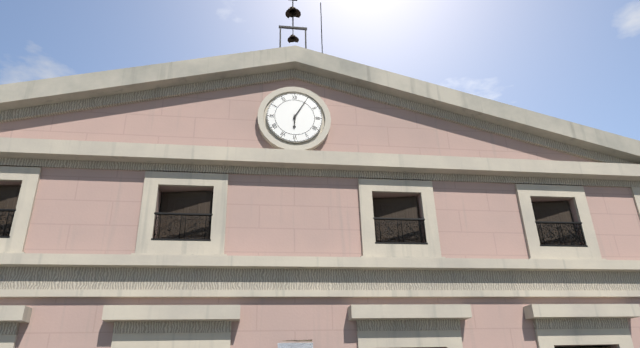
{"hour": 6, "minute": 5}
